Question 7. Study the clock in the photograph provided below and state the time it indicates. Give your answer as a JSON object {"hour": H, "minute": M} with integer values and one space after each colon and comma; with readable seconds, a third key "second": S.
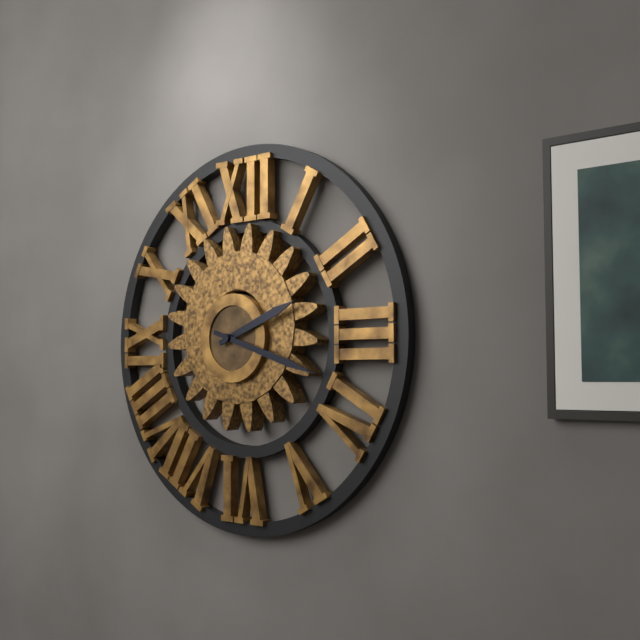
{"hour": 2, "minute": 18}
